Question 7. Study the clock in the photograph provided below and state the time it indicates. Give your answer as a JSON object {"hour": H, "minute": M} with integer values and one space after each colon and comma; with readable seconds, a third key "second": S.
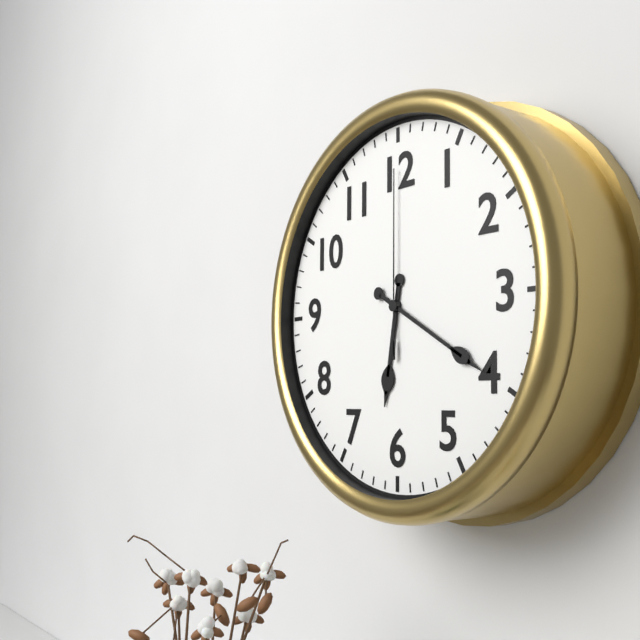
{"hour": 6, "minute": 20, "second": 0}
